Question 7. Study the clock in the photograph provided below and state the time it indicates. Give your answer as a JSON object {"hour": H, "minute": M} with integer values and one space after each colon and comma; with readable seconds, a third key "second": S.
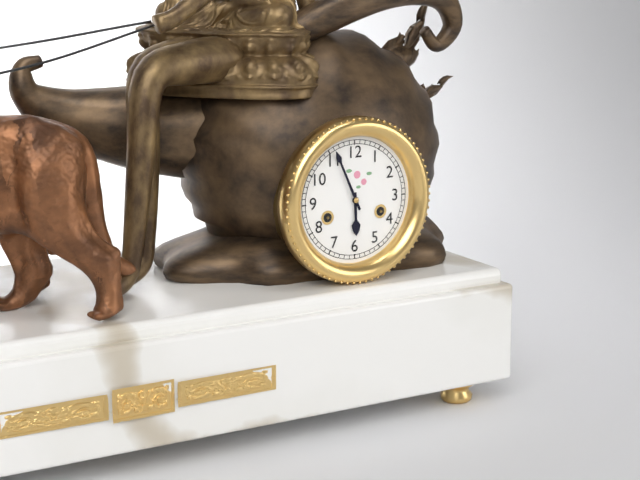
{"hour": 5, "minute": 56}
